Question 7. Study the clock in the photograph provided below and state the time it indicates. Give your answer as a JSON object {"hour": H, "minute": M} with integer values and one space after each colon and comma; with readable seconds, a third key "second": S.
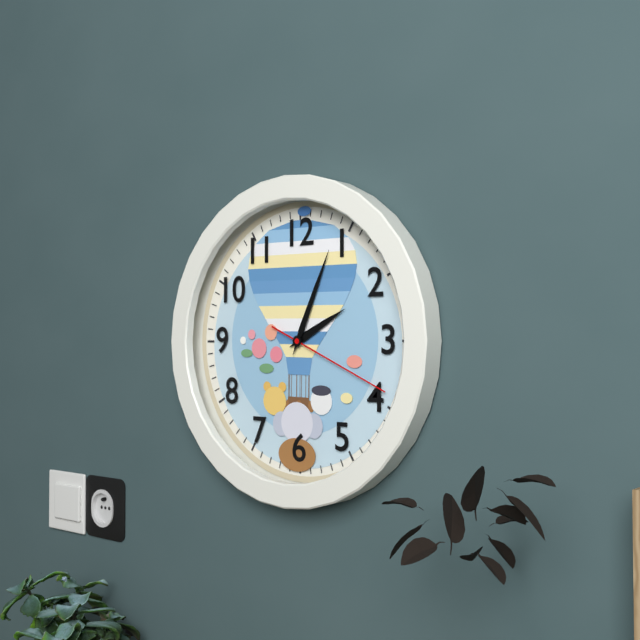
{"hour": 2, "minute": 4, "second": 19}
